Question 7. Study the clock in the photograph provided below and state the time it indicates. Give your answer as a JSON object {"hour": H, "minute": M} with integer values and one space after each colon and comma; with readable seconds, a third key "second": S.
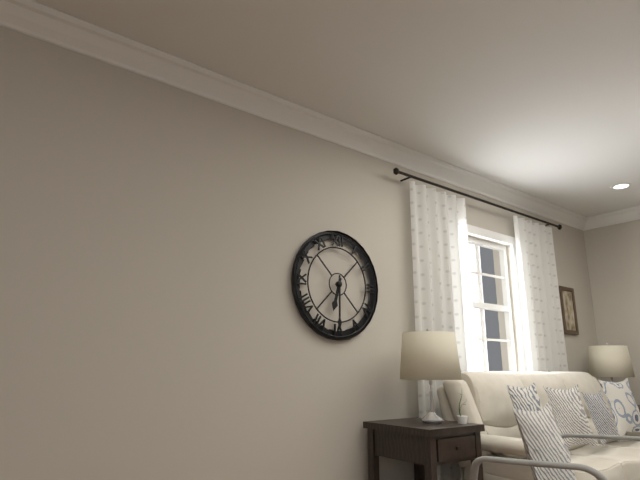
{"hour": 6, "minute": 30}
